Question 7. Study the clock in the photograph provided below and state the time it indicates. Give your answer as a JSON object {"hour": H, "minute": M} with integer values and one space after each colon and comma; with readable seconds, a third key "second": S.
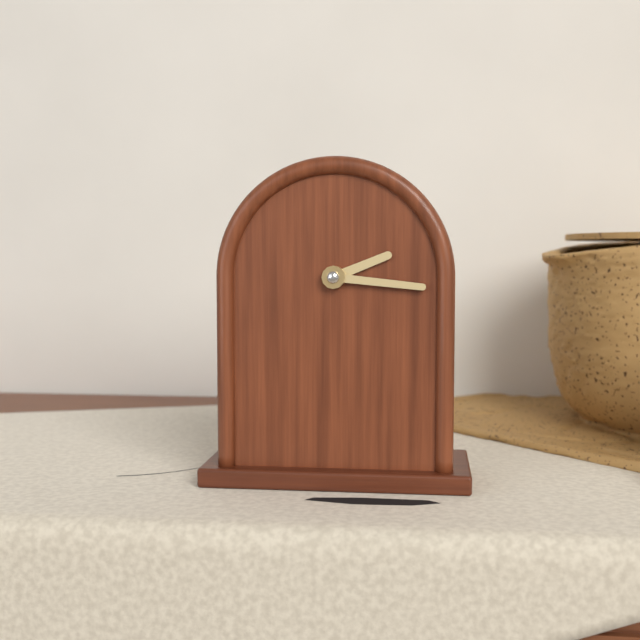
{"hour": 2, "minute": 16}
